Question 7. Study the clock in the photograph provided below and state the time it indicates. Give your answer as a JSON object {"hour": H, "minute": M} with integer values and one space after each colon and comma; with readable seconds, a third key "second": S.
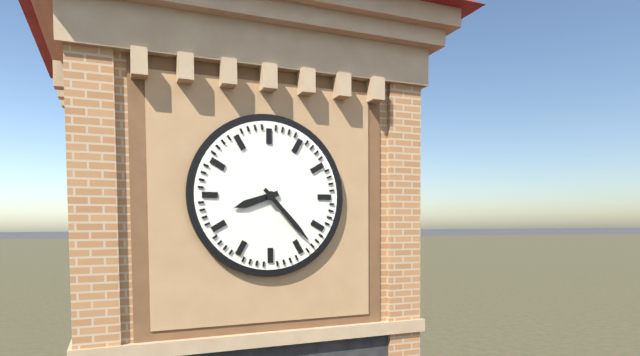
{"hour": 8, "minute": 23}
